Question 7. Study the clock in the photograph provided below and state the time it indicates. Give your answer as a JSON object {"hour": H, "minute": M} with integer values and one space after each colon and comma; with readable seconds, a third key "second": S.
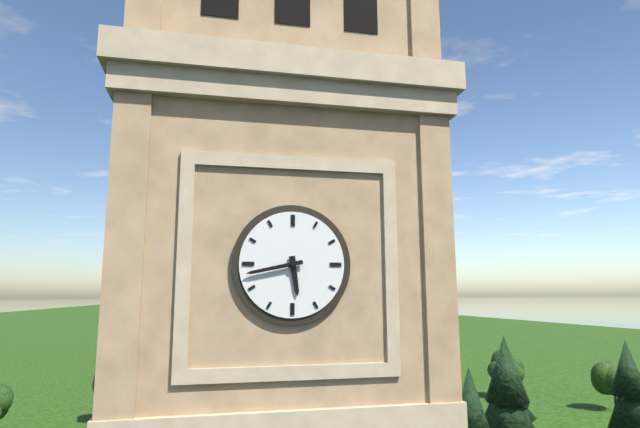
{"hour": 5, "minute": 43}
